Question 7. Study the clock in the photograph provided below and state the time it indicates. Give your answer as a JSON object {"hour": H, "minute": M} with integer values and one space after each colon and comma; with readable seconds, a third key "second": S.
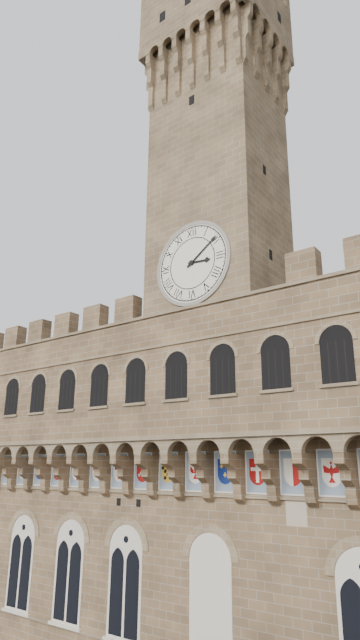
{"hour": 3, "minute": 9}
